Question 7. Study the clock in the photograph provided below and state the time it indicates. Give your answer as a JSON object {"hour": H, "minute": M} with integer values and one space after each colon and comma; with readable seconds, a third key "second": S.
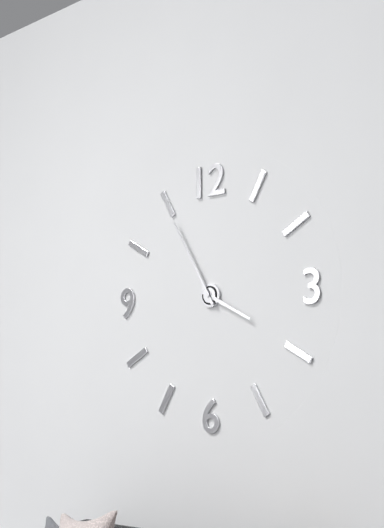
{"hour": 3, "minute": 55}
